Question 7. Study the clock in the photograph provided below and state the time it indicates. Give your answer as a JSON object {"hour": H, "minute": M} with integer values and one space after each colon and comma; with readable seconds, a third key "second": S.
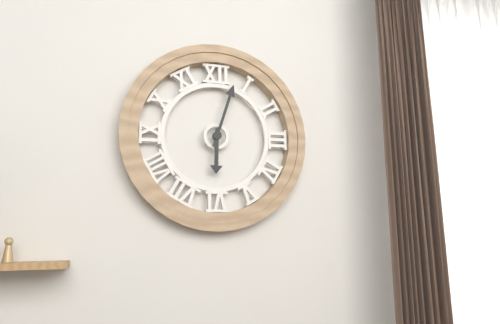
{"hour": 6, "minute": 3}
